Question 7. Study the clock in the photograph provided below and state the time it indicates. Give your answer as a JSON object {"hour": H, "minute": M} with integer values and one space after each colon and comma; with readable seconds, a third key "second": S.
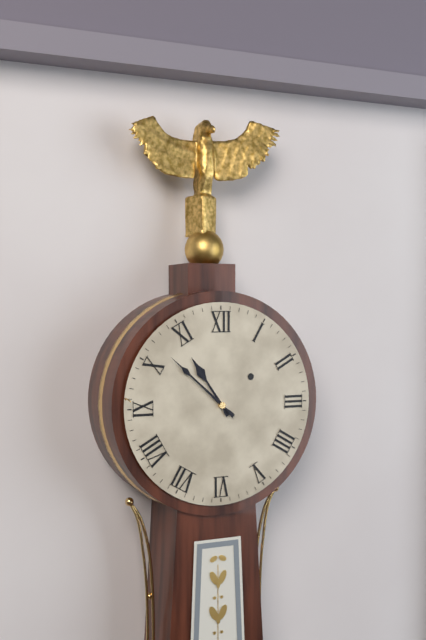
{"hour": 10, "minute": 52}
